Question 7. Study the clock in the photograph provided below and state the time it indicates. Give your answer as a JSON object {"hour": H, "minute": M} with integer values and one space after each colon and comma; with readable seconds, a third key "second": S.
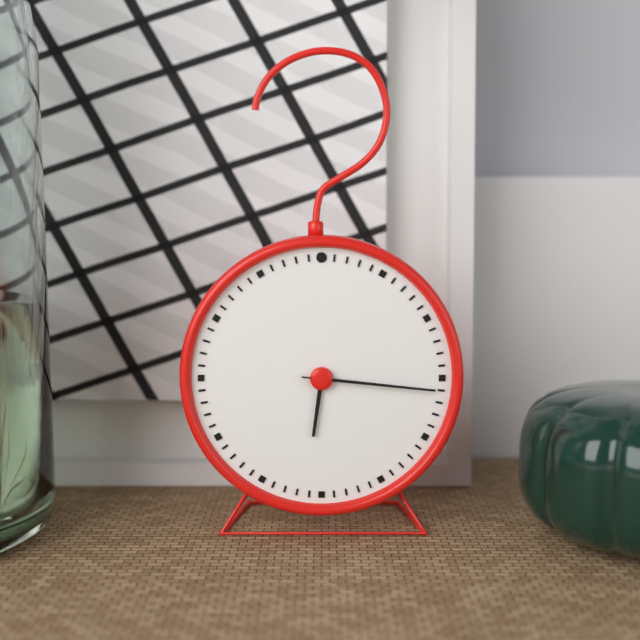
{"hour": 6, "minute": 16, "second": 16}
